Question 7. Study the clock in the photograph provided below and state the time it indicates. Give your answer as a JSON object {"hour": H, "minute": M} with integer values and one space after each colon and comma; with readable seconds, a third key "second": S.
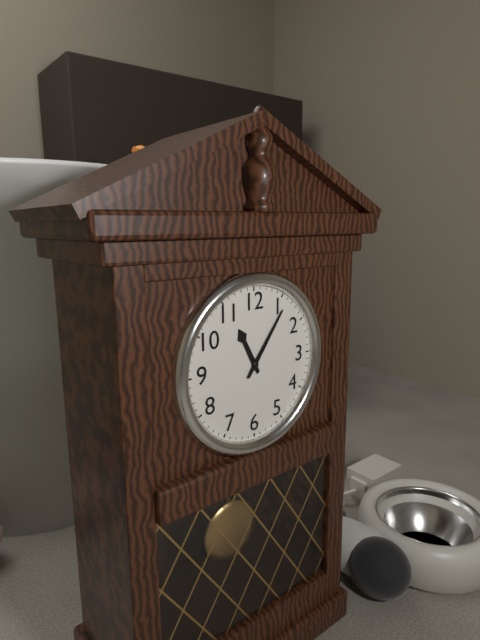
{"hour": 11, "minute": 6}
